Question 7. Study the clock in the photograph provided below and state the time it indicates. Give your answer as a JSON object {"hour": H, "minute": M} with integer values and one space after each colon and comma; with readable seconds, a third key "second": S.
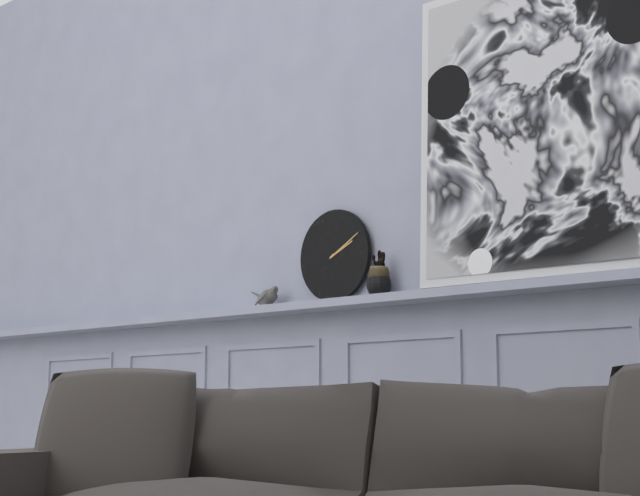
{"hour": 2, "minute": 10}
